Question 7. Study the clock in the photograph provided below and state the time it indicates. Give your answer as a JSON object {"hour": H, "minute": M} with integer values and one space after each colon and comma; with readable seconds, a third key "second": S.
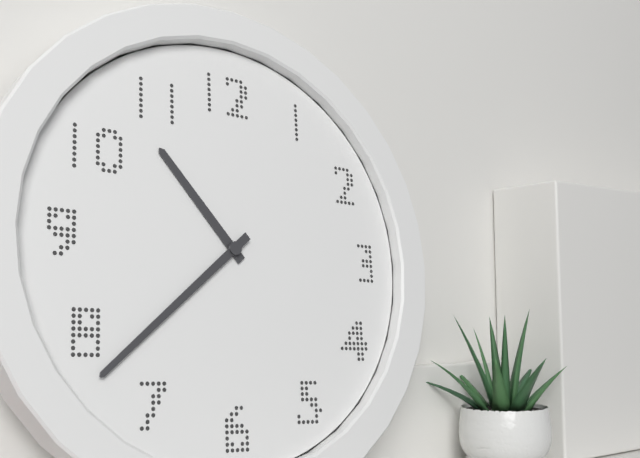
{"hour": 10, "minute": 38}
